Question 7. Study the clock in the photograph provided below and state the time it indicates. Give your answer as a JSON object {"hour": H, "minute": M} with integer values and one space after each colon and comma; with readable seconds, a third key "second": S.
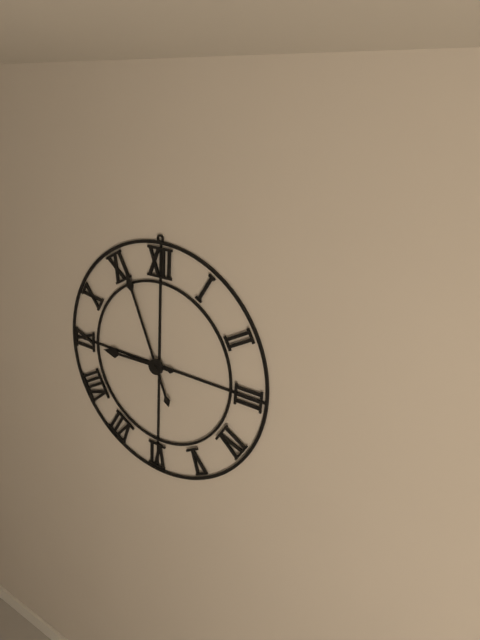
{"hour": 8, "minute": 56}
